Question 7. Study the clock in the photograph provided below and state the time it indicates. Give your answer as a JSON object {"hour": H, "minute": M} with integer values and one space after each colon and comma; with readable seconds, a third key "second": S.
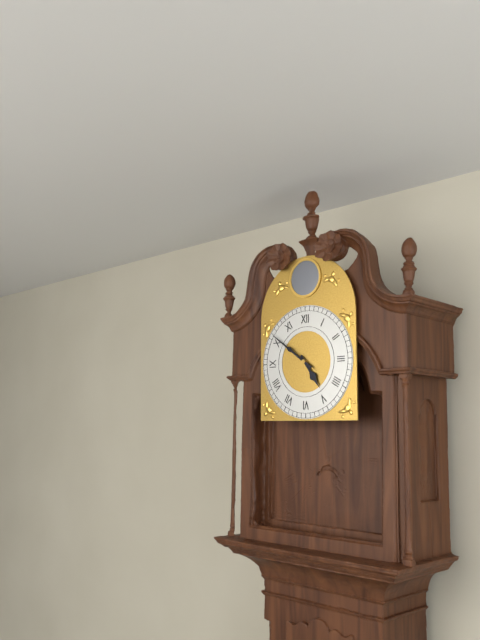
{"hour": 4, "minute": 51}
